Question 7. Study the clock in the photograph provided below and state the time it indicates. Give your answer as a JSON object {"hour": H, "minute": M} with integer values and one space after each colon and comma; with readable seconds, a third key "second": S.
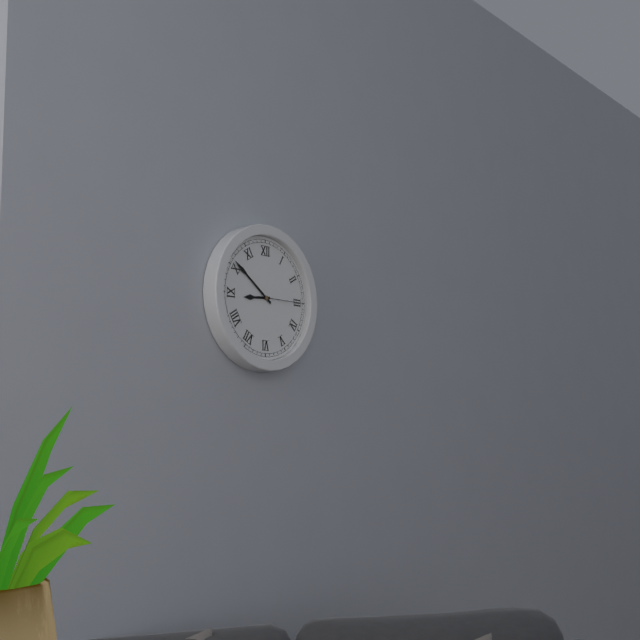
{"hour": 8, "minute": 51}
